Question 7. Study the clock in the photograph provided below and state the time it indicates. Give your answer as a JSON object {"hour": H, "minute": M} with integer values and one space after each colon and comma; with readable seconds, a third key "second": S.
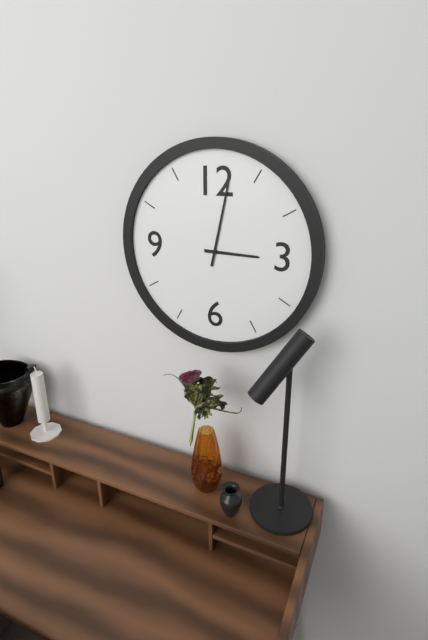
{"hour": 3, "minute": 2}
